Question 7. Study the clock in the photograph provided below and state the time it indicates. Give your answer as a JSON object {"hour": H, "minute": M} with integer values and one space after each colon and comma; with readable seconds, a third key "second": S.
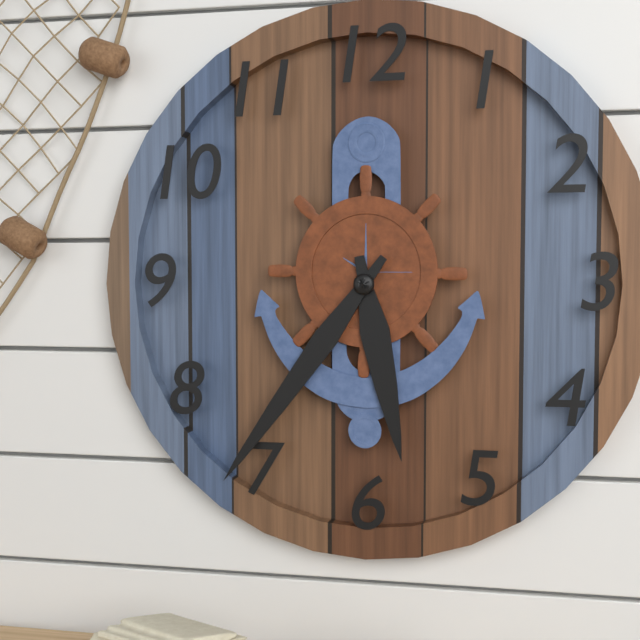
{"hour": 5, "minute": 36}
